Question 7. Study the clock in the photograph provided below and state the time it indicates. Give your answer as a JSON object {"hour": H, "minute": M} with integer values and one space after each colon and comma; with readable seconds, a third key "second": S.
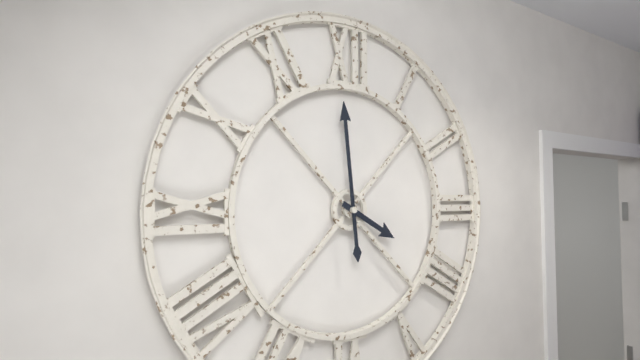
{"hour": 3, "minute": 59}
